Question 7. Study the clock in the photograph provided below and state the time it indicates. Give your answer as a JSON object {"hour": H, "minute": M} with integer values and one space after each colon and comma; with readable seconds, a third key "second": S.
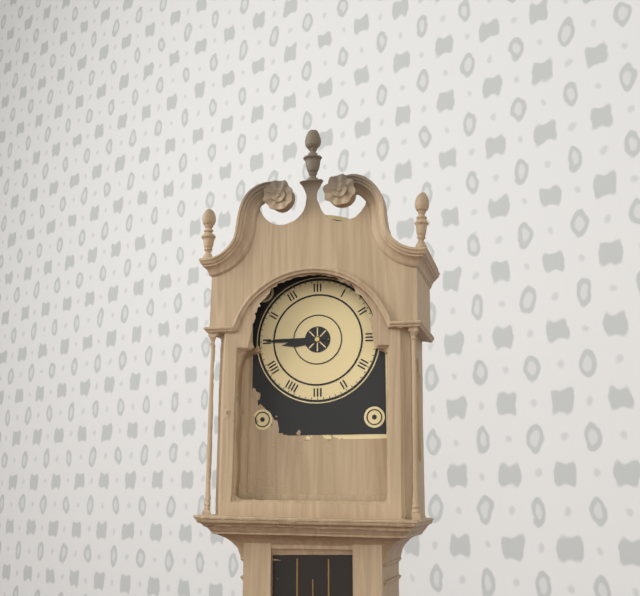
{"hour": 8, "minute": 45}
